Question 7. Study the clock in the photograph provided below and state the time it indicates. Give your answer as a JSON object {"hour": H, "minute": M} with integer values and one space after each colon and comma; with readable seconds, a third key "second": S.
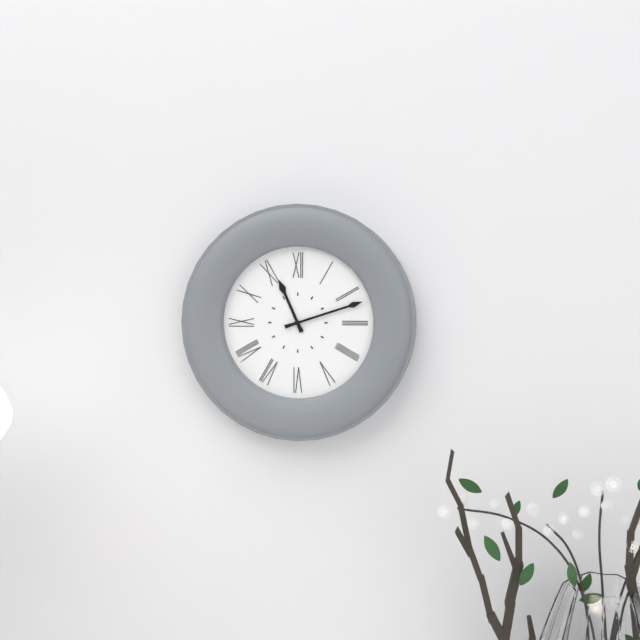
{"hour": 11, "minute": 12}
